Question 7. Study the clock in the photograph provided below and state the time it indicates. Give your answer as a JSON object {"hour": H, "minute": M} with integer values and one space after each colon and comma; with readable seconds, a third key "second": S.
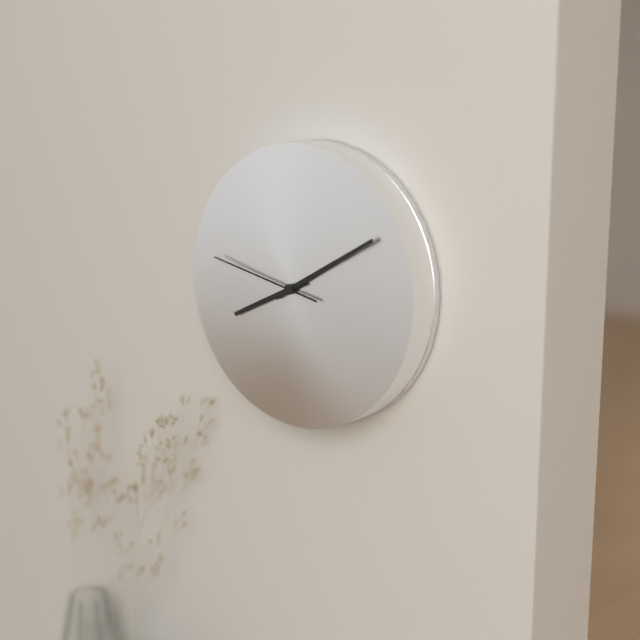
{"hour": 8, "minute": 10, "second": 47}
